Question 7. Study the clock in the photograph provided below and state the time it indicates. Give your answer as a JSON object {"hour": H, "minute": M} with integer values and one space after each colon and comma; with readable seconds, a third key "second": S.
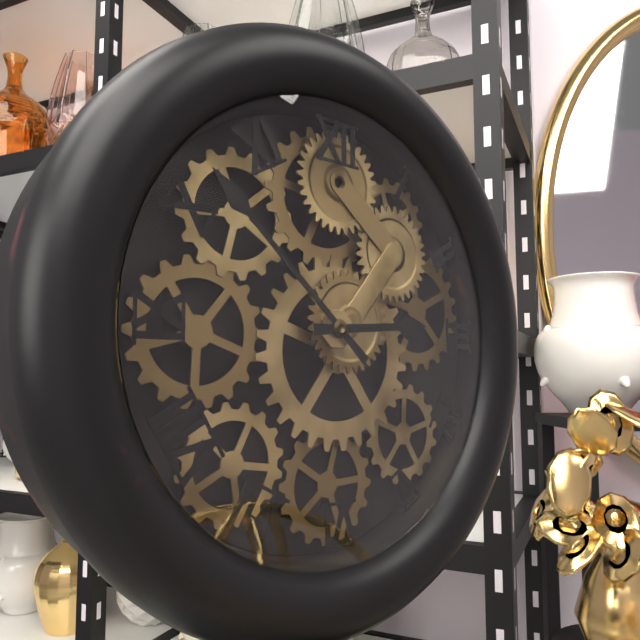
{"hour": 2, "minute": 52}
